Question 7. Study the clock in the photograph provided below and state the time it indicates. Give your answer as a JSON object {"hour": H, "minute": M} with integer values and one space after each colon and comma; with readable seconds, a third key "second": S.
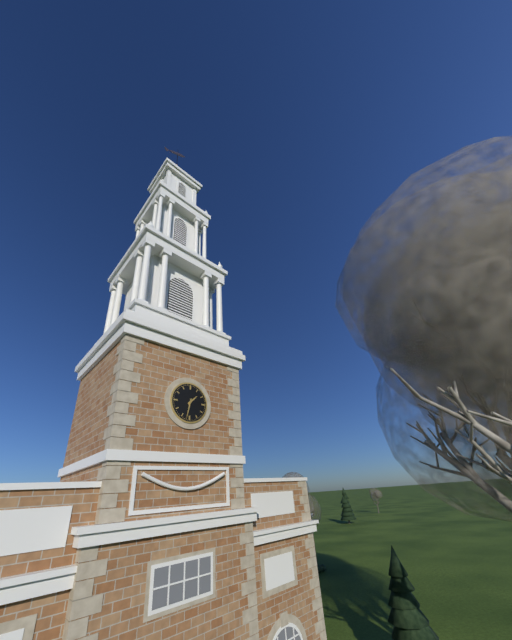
{"hour": 1, "minute": 32}
